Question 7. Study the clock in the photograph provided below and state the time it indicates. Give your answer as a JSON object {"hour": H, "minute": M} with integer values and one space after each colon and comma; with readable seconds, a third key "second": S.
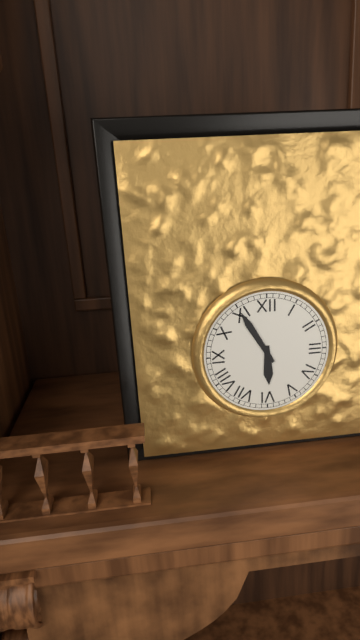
{"hour": 5, "minute": 55}
